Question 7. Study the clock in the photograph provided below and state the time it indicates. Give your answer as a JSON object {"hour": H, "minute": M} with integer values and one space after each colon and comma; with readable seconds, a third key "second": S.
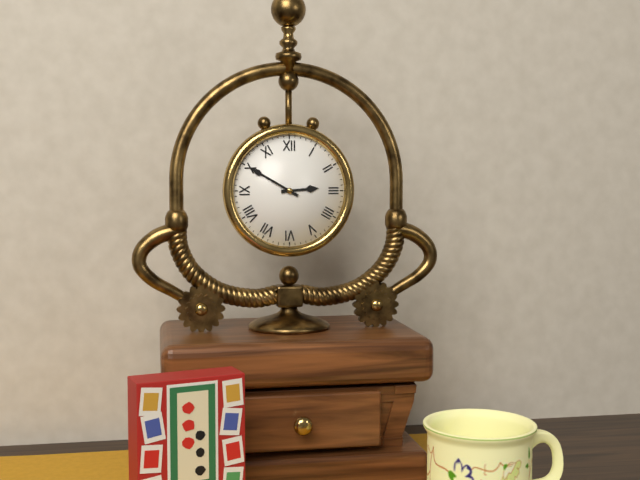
{"hour": 2, "minute": 50}
